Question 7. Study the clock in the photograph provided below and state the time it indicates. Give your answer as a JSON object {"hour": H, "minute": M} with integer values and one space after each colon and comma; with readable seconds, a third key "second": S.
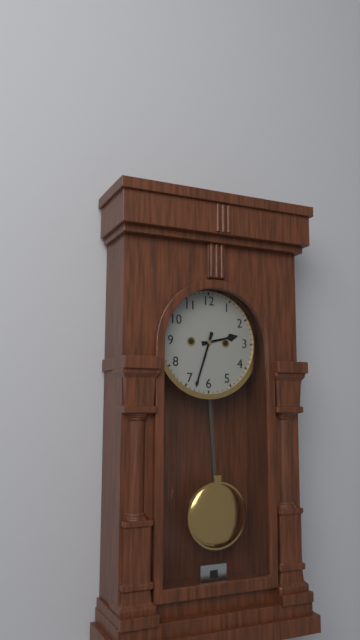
{"hour": 2, "minute": 33}
